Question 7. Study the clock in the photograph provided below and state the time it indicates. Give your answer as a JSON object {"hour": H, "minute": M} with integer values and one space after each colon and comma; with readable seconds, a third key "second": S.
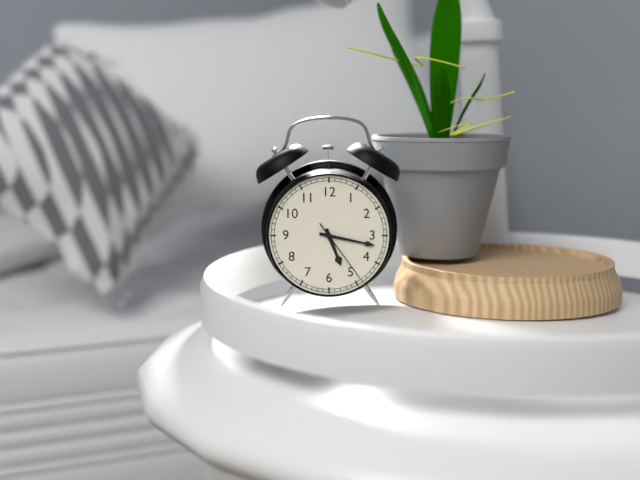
{"hour": 5, "minute": 17, "second": 24}
